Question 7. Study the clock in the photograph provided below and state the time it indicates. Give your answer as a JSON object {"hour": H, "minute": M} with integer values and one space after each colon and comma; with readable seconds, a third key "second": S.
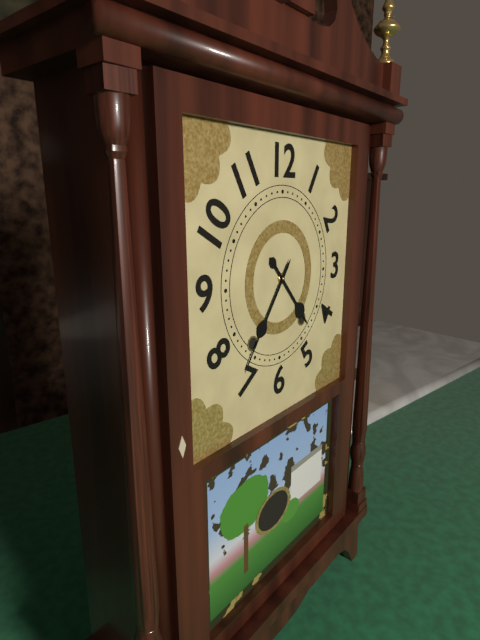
{"hour": 4, "minute": 36}
